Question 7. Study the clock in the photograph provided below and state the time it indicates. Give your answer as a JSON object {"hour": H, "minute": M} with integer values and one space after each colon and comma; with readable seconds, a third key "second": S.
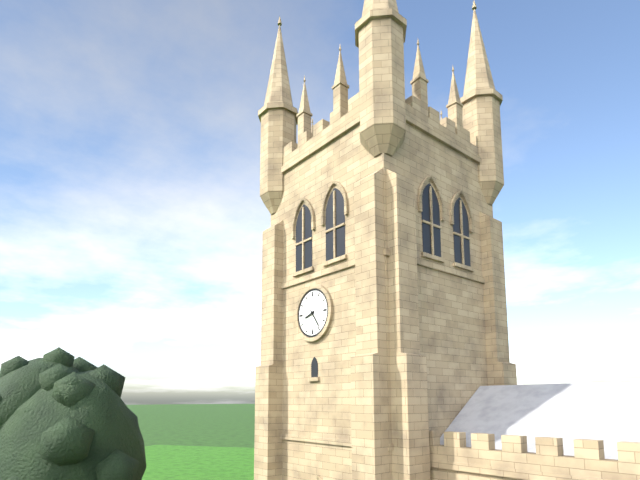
{"hour": 8, "minute": 24}
